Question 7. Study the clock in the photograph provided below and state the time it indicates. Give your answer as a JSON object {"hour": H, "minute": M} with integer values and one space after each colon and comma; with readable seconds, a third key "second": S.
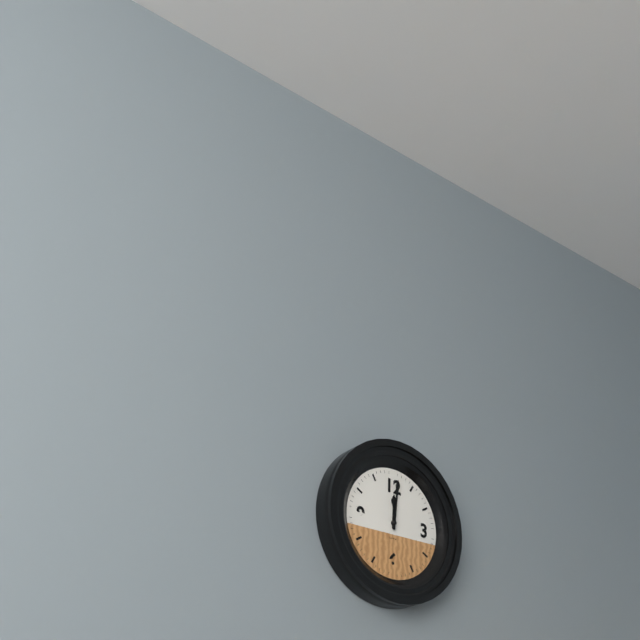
{"hour": 12, "minute": 1}
